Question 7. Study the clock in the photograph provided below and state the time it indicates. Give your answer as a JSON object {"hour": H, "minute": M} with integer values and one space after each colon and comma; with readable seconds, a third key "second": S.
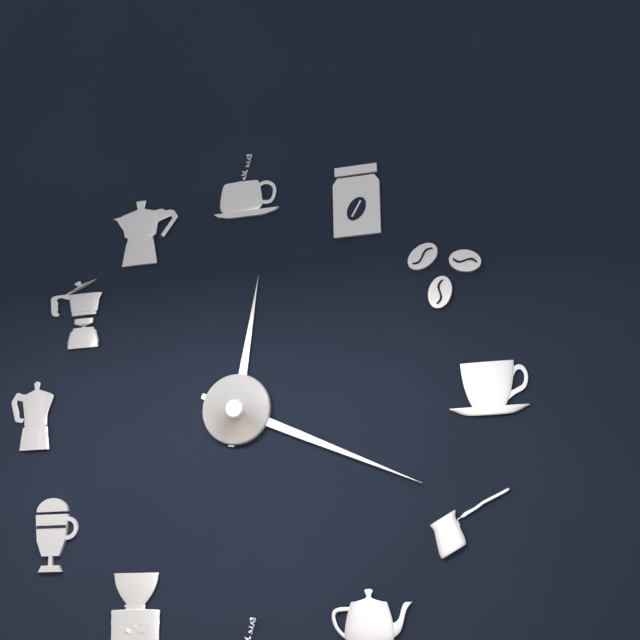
{"hour": 12, "minute": 19}
